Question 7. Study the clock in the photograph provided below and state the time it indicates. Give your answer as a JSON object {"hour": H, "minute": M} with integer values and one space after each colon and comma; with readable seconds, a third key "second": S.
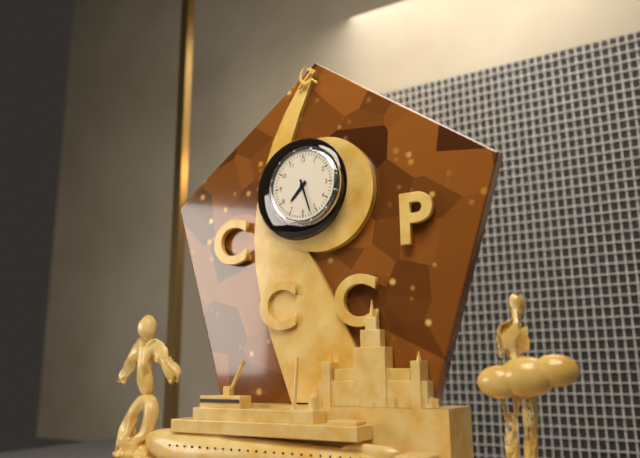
{"hour": 7, "minute": 27}
